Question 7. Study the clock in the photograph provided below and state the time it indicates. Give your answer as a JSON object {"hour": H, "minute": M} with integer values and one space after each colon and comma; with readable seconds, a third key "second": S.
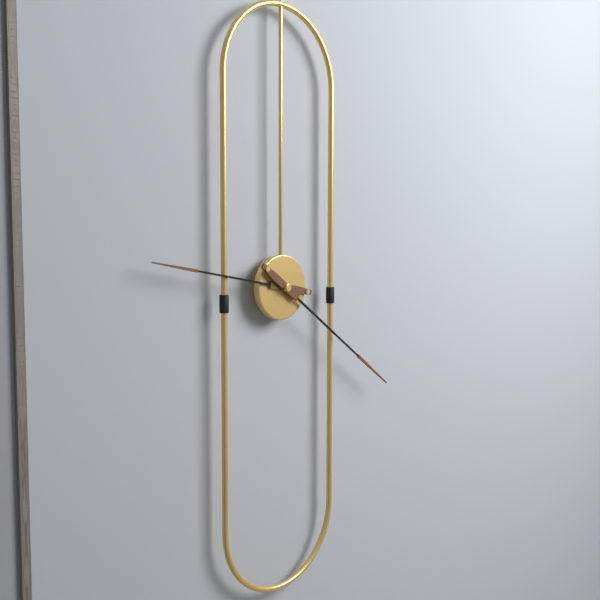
{"hour": 9, "minute": 21}
